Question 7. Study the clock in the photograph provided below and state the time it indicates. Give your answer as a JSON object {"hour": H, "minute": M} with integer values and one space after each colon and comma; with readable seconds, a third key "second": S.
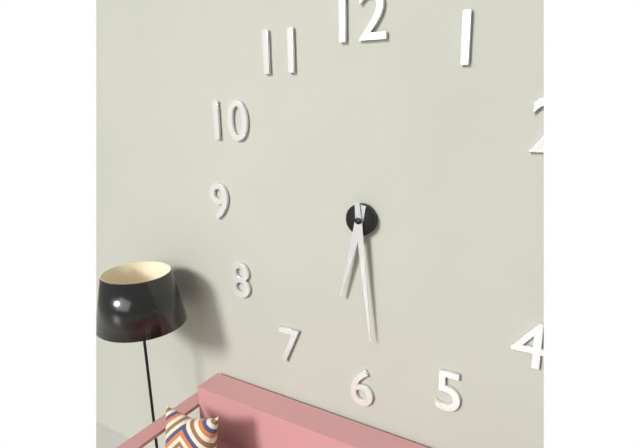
{"hour": 6, "minute": 29}
